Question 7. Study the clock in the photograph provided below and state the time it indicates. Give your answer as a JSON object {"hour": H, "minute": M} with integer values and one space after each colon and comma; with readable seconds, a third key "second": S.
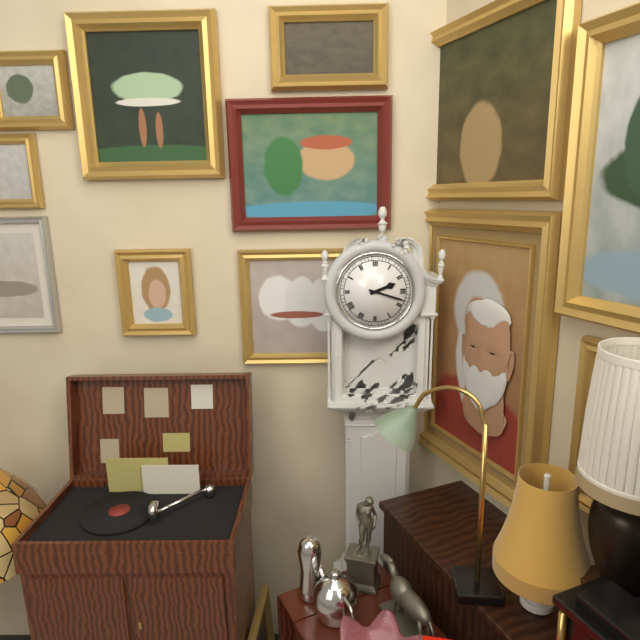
{"hour": 2, "minute": 18}
